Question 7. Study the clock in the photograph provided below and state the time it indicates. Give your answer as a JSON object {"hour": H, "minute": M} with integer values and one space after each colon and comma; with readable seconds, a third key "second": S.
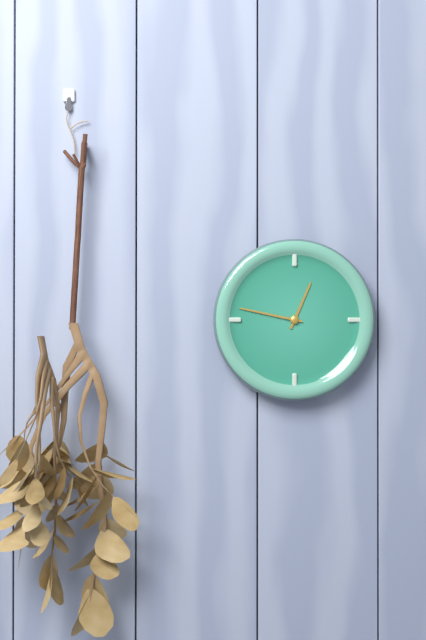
{"hour": 12, "minute": 47}
